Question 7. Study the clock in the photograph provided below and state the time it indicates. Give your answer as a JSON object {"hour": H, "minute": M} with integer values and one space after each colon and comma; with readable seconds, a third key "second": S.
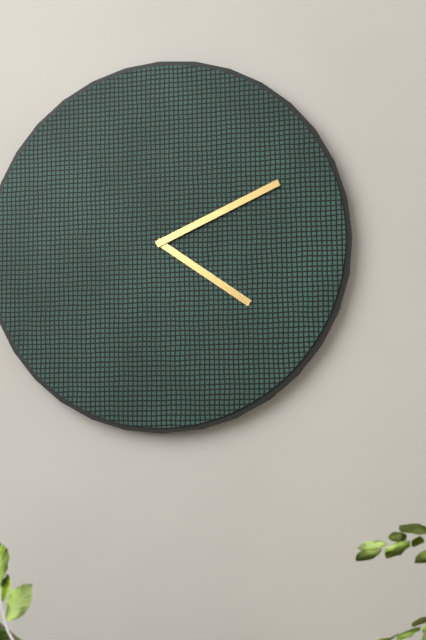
{"hour": 4, "minute": 11}
